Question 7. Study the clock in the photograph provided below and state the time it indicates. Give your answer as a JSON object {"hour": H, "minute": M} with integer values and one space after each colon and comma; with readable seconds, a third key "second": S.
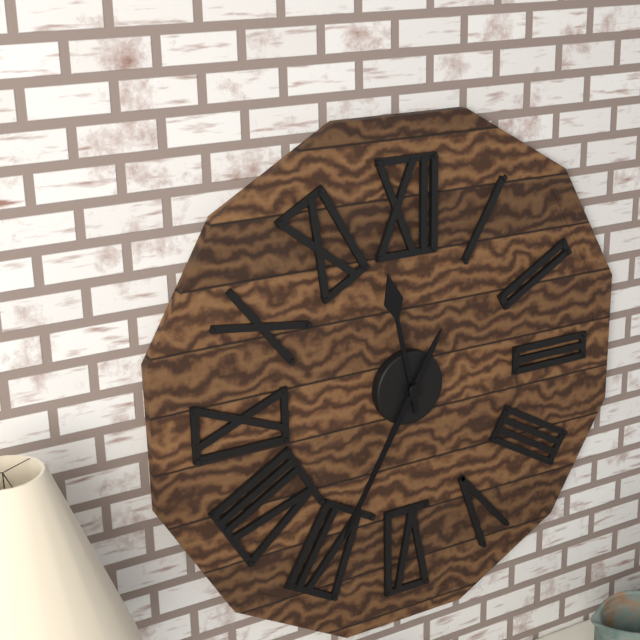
{"hour": 11, "minute": 35}
